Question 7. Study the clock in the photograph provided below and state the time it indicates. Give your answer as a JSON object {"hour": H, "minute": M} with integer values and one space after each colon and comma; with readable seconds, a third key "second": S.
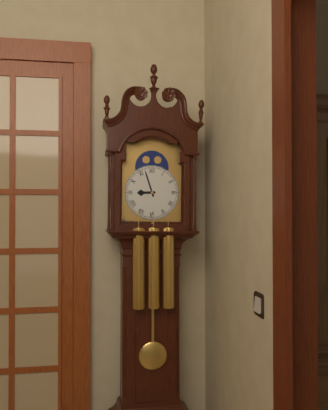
{"hour": 8, "minute": 57}
